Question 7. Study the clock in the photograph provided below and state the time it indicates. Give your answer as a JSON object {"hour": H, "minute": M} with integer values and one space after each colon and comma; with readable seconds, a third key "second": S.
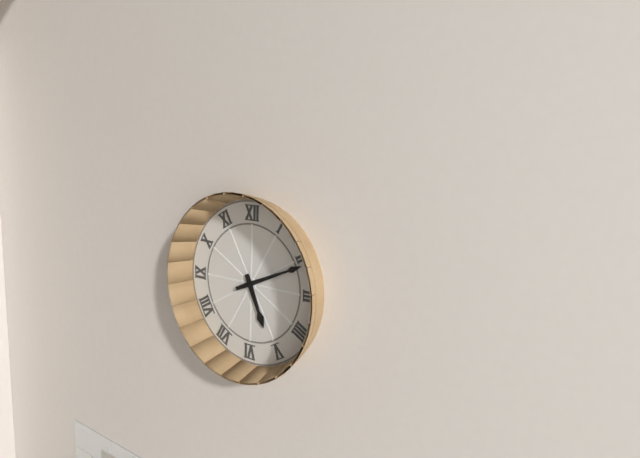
{"hour": 5, "minute": 11}
